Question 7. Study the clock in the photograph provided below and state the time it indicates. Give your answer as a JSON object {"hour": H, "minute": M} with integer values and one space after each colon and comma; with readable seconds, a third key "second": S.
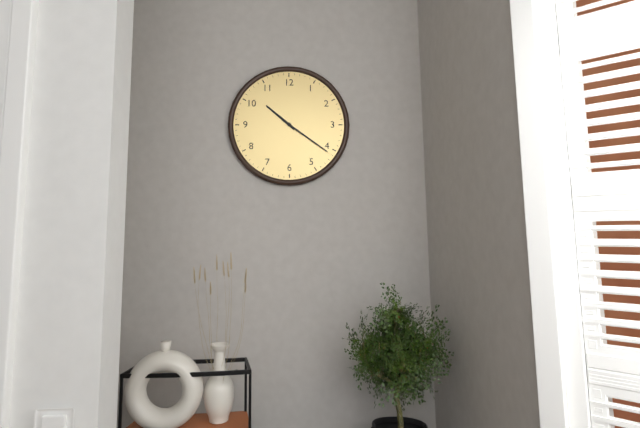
{"hour": 10, "minute": 21}
